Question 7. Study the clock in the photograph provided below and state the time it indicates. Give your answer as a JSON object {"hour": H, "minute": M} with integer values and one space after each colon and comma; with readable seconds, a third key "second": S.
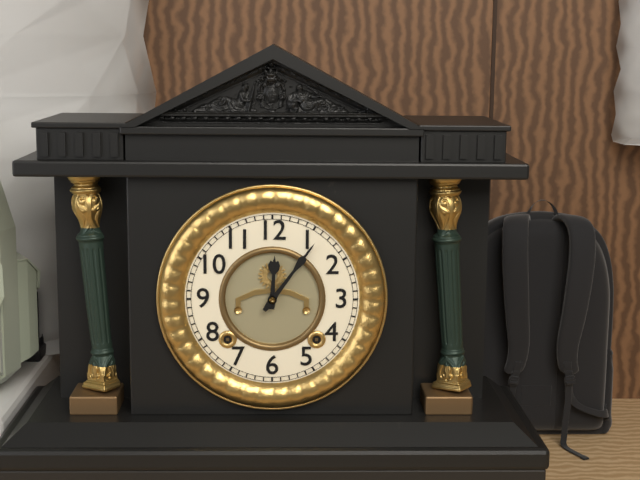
{"hour": 12, "minute": 6}
